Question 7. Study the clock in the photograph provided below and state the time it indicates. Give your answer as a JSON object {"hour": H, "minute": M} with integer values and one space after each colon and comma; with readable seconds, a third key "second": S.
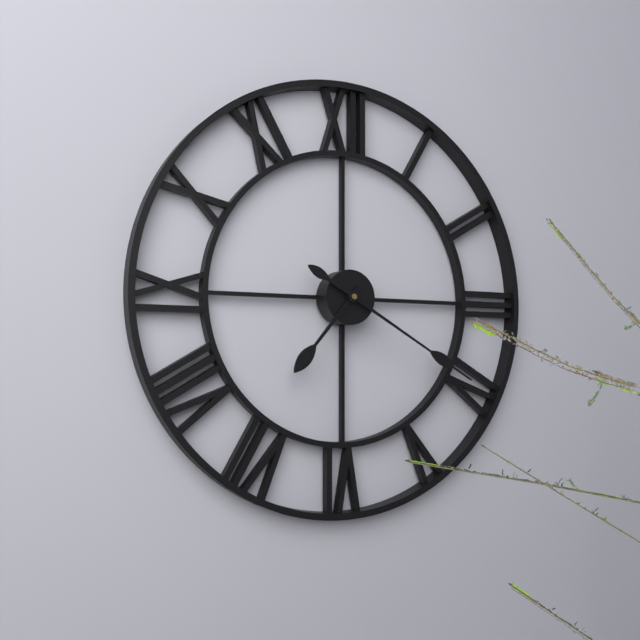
{"hour": 7, "minute": 20}
